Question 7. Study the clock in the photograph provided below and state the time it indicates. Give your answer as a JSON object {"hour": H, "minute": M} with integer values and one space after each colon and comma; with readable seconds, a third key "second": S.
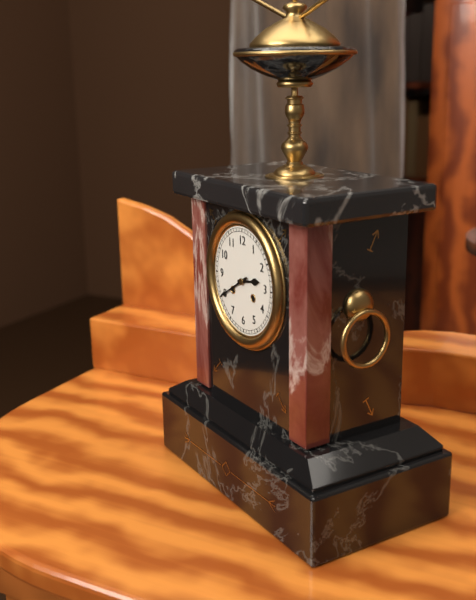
{"hour": 2, "minute": 40}
